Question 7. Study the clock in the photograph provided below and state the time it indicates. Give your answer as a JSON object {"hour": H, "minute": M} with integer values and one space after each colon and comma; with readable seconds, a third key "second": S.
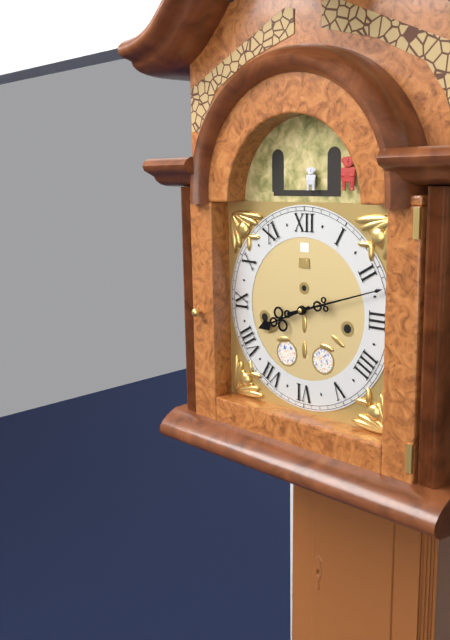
{"hour": 8, "minute": 12}
